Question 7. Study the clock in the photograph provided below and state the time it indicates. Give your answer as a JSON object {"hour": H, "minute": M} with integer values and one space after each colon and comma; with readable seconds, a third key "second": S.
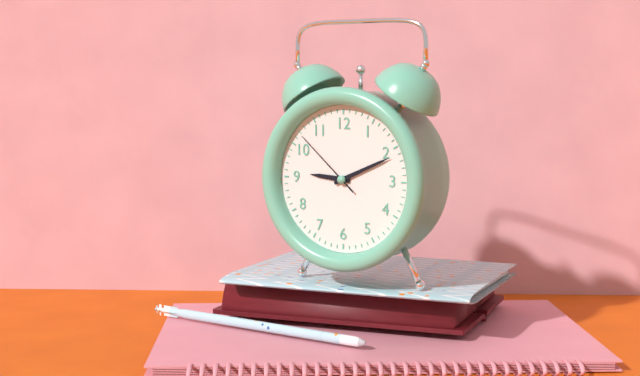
{"hour": 9, "minute": 11, "second": 52}
